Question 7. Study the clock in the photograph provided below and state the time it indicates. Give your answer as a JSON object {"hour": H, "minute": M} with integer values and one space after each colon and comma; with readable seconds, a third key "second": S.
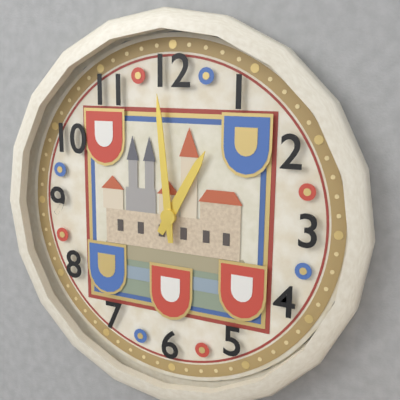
{"hour": 12, "minute": 59}
